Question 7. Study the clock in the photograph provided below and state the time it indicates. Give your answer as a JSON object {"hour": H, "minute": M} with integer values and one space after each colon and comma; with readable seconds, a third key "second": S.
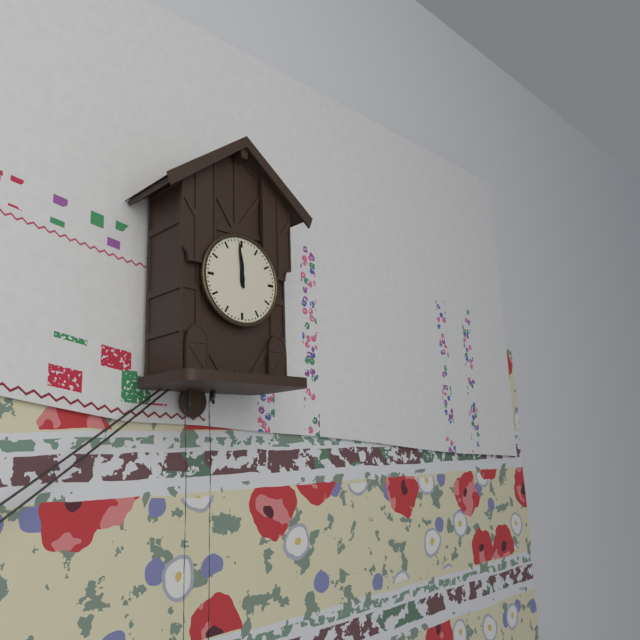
{"hour": 11, "minute": 59}
